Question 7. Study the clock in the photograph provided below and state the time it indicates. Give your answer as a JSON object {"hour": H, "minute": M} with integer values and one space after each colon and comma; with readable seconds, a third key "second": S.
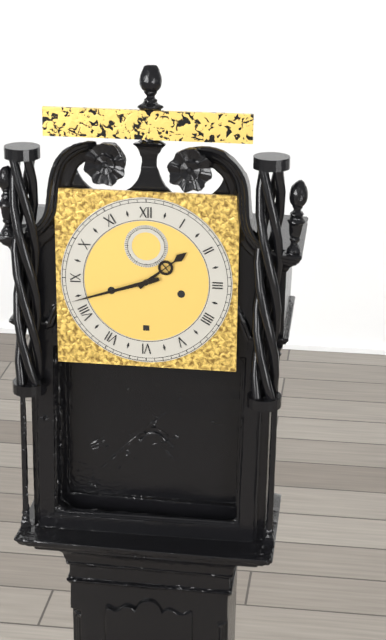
{"hour": 1, "minute": 42}
